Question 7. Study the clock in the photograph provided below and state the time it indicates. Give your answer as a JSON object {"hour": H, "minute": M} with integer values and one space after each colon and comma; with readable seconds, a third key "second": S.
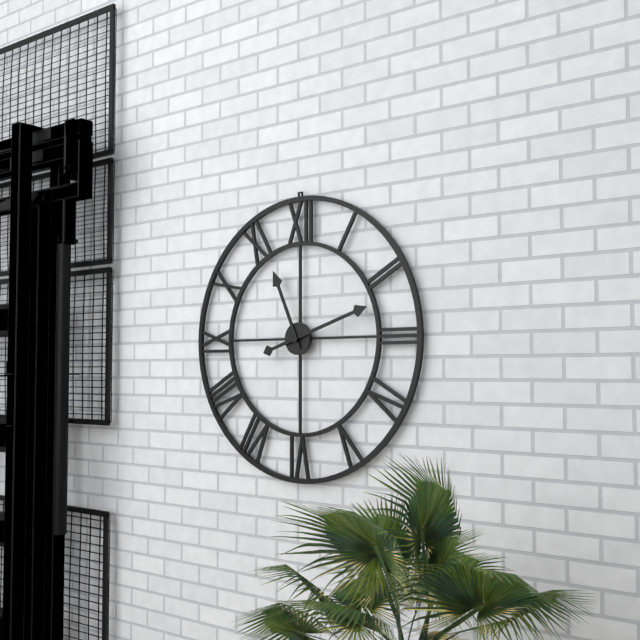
{"hour": 11, "minute": 12}
